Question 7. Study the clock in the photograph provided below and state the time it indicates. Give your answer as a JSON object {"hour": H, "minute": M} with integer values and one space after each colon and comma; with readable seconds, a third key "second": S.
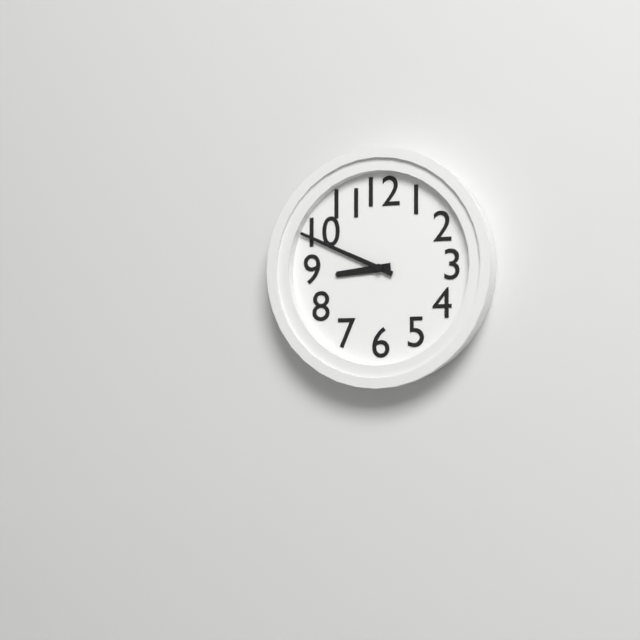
{"hour": 8, "minute": 49}
